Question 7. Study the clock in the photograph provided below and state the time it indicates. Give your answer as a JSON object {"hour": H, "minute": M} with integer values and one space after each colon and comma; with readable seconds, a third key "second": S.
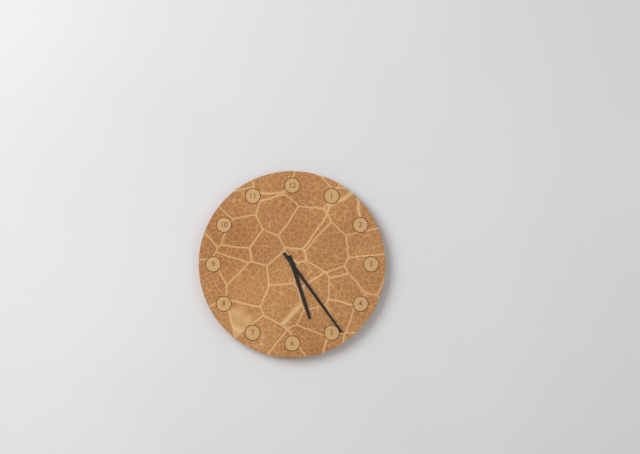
{"hour": 5, "minute": 24}
